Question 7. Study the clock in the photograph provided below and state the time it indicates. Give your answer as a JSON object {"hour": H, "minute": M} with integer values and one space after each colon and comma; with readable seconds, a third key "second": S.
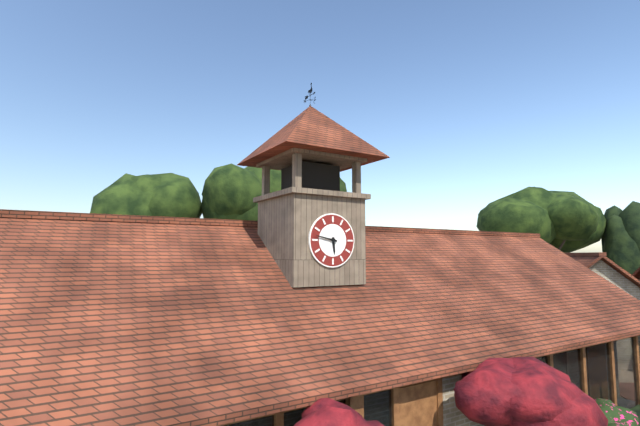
{"hour": 5, "minute": 47}
